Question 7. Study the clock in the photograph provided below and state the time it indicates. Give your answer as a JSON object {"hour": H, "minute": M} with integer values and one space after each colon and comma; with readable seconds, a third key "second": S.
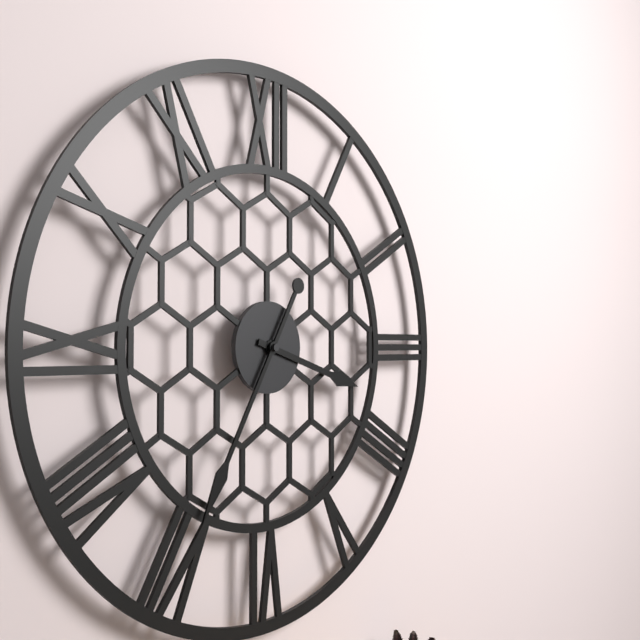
{"hour": 3, "minute": 35}
